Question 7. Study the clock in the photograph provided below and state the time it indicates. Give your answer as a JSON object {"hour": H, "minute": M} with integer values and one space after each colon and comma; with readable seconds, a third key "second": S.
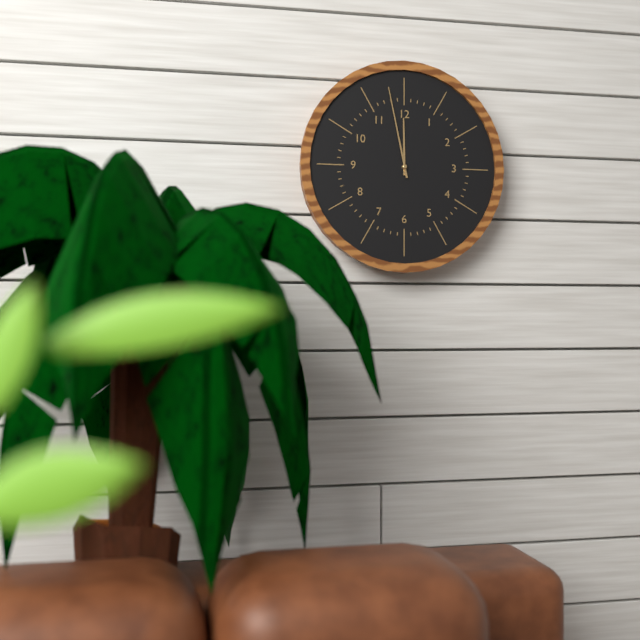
{"hour": 11, "minute": 58}
